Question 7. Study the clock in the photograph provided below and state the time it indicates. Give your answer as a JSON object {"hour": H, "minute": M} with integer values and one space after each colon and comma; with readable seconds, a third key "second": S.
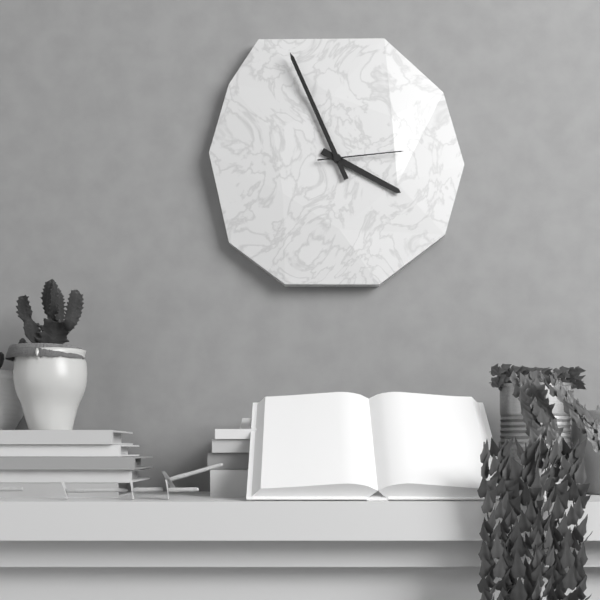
{"hour": 3, "minute": 56, "second": 14}
